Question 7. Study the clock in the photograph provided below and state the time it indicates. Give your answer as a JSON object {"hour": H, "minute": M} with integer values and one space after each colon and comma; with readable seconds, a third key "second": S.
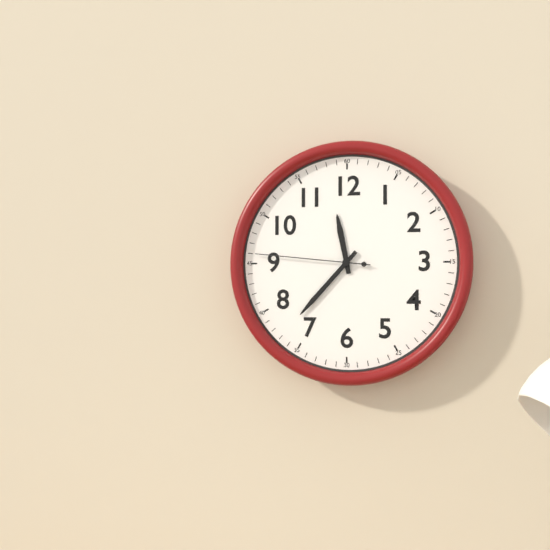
{"hour": 11, "minute": 37, "second": 46}
